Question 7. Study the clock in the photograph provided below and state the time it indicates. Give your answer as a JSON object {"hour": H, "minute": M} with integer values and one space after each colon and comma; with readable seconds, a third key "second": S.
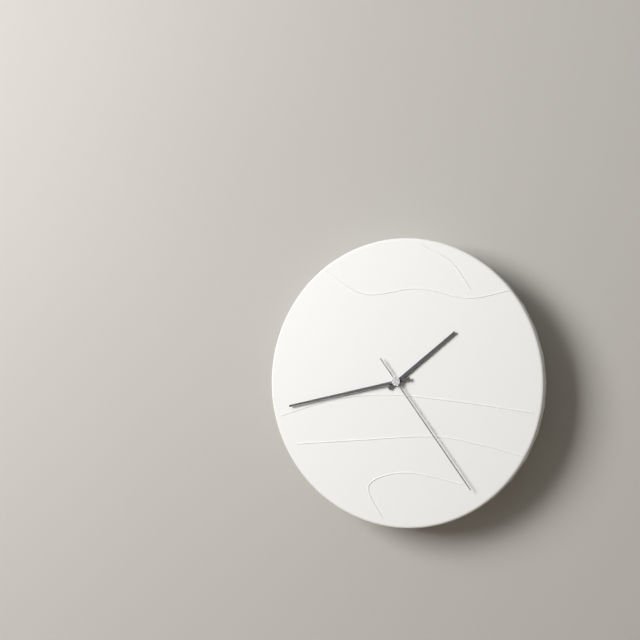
{"hour": 1, "minute": 43, "second": 24}
